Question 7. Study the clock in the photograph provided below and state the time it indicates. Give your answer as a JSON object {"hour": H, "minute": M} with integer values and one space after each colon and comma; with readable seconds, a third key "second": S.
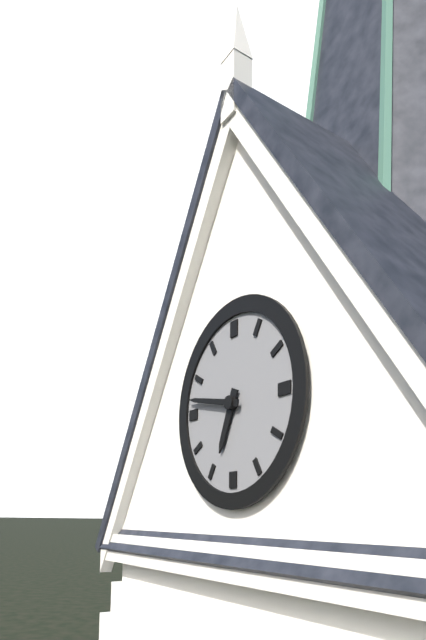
{"hour": 6, "minute": 47}
